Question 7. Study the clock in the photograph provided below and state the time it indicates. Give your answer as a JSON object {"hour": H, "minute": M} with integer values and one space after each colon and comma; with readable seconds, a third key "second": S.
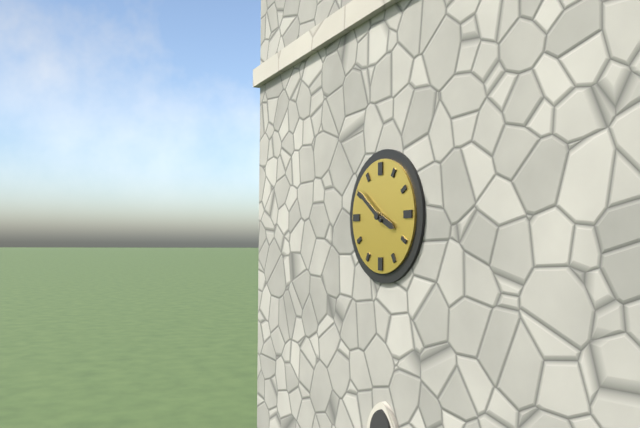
{"hour": 3, "minute": 51}
